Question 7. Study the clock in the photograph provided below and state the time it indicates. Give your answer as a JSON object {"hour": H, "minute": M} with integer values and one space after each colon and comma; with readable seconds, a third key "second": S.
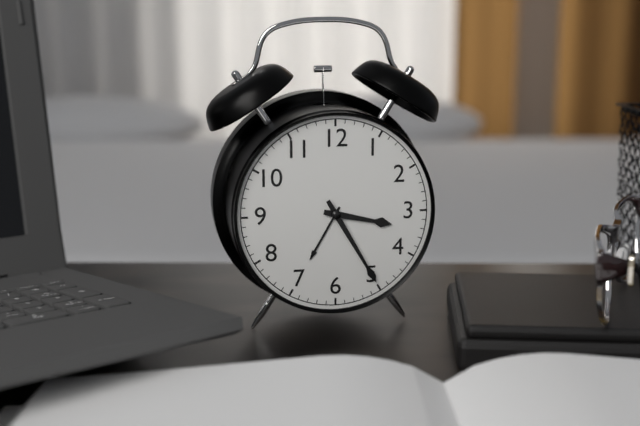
{"hour": 3, "minute": 25}
